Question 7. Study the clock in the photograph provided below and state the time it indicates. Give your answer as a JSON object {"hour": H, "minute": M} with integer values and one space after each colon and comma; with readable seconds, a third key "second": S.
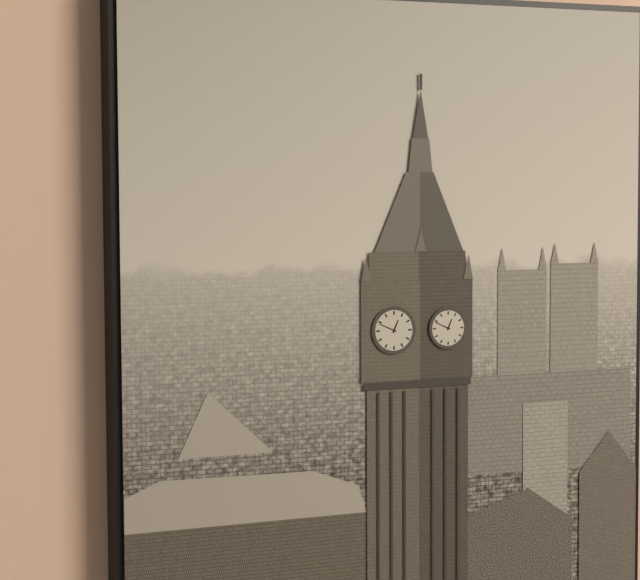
{"hour": 12, "minute": 49}
